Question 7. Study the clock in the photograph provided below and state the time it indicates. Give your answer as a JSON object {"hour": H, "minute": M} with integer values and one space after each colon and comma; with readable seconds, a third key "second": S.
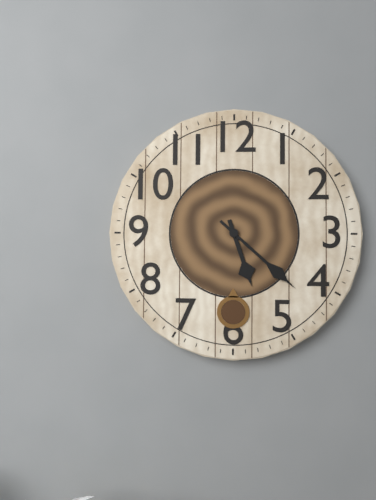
{"hour": 5, "minute": 22}
